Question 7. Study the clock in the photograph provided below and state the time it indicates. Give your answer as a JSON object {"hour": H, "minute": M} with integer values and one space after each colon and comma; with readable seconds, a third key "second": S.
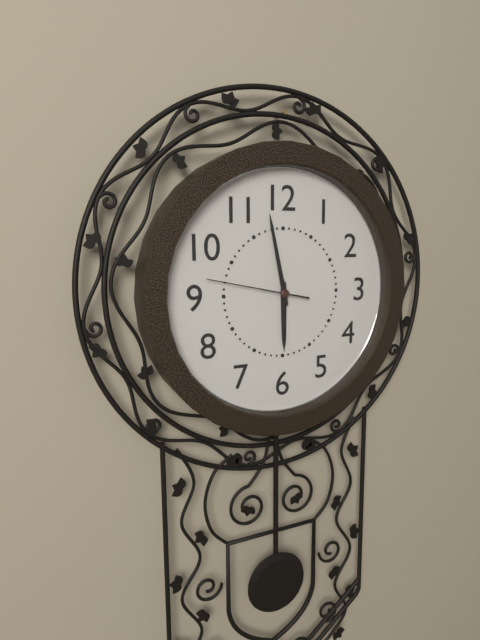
{"hour": 5, "minute": 58, "second": 47}
